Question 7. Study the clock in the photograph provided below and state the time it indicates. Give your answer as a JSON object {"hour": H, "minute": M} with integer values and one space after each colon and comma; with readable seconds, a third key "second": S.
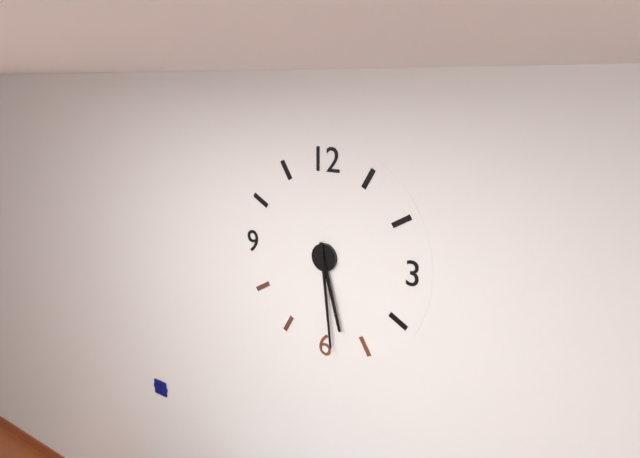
{"hour": 5, "minute": 29}
